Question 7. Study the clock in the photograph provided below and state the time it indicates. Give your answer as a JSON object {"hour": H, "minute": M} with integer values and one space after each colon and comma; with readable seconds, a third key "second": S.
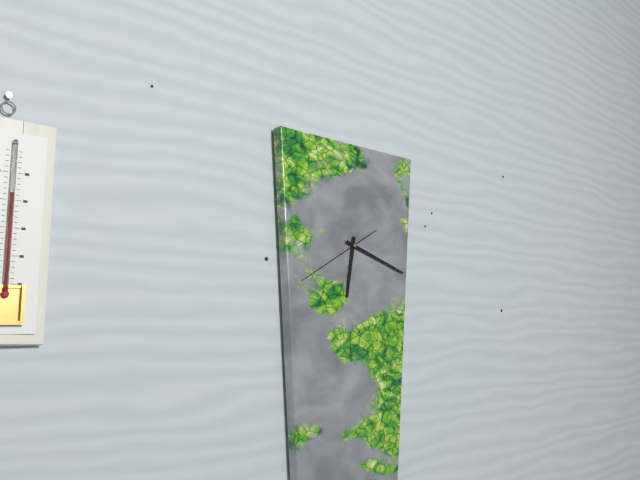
{"hour": 6, "minute": 18, "second": 40}
